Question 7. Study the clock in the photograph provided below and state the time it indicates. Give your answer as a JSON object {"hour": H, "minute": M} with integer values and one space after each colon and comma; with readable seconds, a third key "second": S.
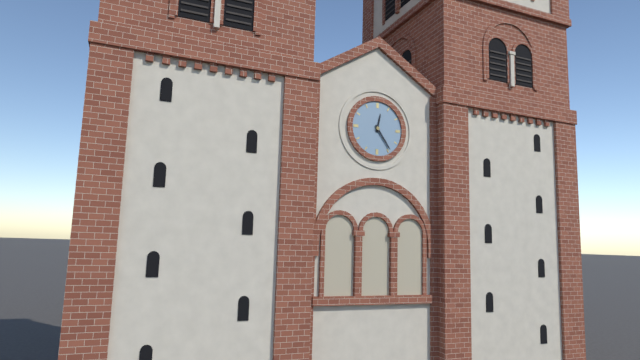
{"hour": 12, "minute": 24}
